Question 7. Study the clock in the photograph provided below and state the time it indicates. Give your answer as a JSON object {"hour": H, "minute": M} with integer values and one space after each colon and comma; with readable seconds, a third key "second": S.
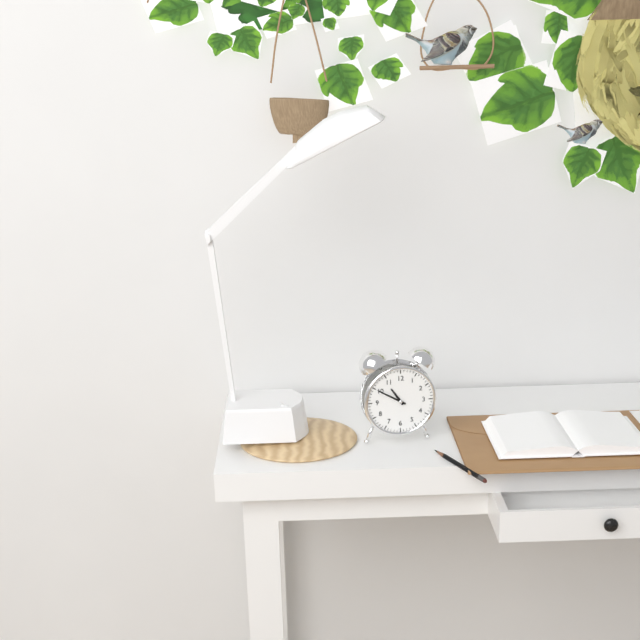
{"hour": 10, "minute": 50}
